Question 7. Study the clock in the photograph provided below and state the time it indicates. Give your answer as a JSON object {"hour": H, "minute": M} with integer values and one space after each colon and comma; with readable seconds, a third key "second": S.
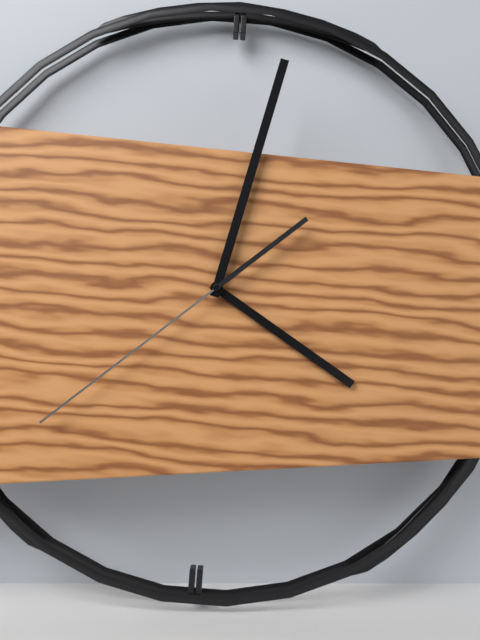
{"hour": 4, "minute": 2, "second": 38}
